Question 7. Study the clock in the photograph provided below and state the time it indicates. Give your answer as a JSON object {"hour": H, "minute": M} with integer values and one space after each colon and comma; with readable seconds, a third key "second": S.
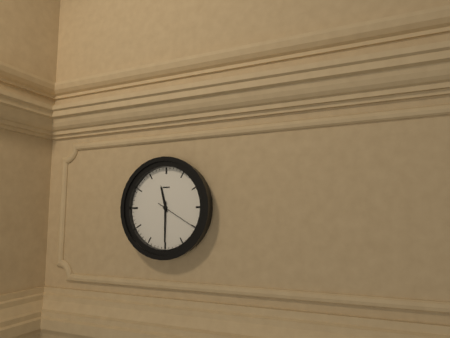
{"hour": 11, "minute": 30}
